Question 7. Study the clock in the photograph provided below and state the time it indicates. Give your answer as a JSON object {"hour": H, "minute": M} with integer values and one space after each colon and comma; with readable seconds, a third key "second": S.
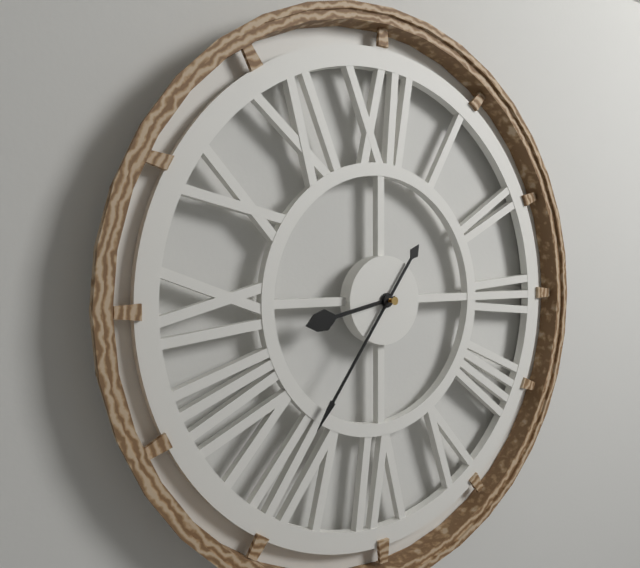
{"hour": 8, "minute": 36}
